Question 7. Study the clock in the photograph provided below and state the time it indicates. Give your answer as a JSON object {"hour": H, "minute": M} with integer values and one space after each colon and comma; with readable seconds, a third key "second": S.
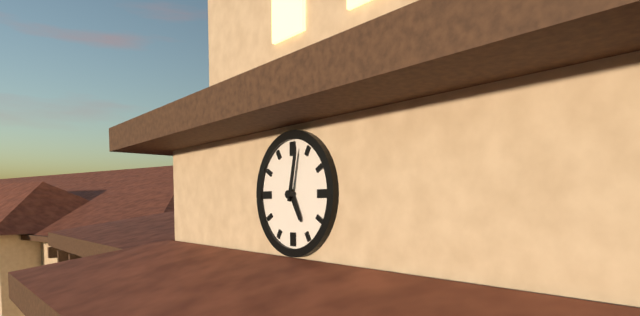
{"hour": 5, "minute": 2}
